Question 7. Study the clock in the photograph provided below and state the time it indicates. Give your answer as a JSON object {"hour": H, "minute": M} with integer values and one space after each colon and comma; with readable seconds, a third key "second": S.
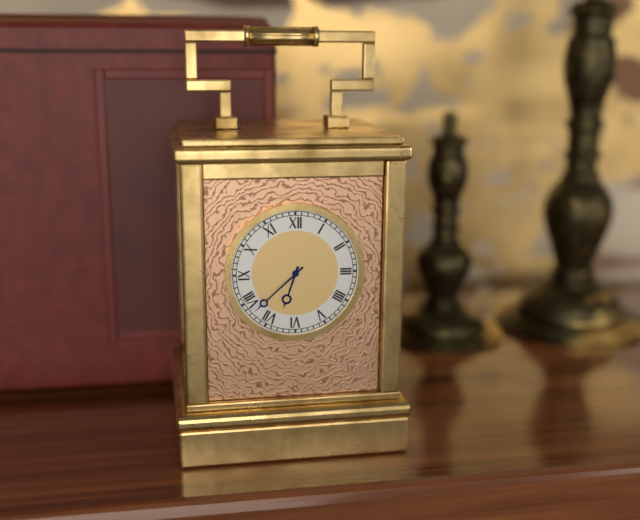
{"hour": 6, "minute": 38}
